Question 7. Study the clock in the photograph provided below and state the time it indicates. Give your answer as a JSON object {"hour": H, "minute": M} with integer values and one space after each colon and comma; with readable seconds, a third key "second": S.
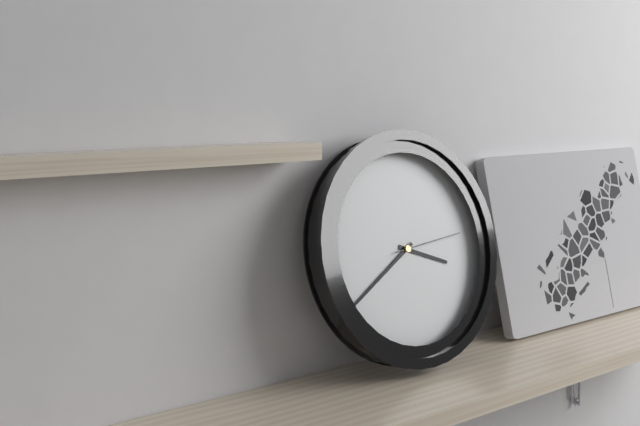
{"hour": 3, "minute": 40, "second": 14}
